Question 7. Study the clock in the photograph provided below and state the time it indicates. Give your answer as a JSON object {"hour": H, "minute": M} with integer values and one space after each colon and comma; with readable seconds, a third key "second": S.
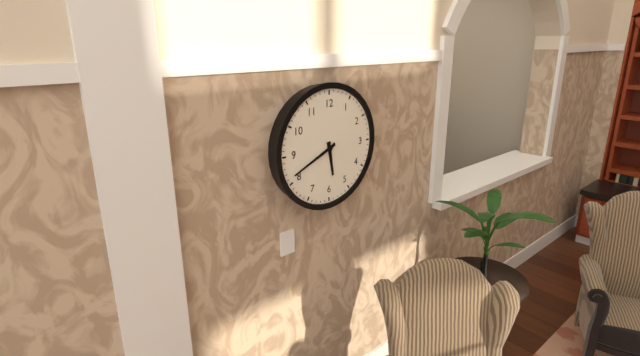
{"hour": 5, "minute": 41}
